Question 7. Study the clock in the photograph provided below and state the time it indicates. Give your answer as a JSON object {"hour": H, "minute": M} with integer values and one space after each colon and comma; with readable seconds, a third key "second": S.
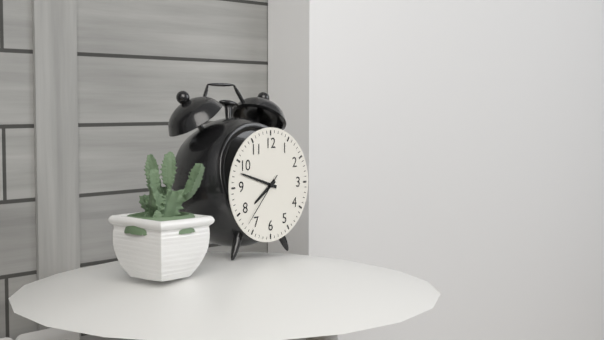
{"hour": 7, "minute": 48, "second": 37}
